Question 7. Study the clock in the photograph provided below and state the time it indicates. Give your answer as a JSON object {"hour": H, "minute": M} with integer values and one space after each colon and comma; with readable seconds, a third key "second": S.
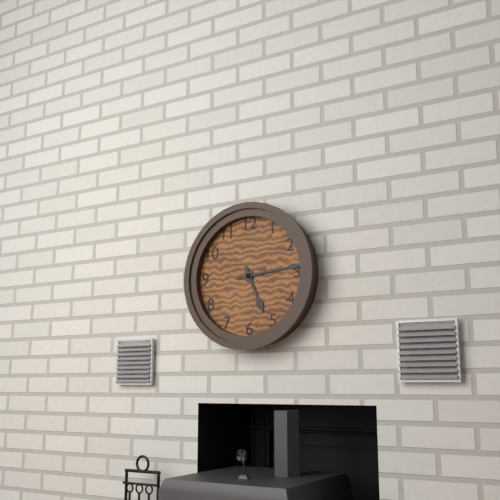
{"hour": 5, "minute": 14}
